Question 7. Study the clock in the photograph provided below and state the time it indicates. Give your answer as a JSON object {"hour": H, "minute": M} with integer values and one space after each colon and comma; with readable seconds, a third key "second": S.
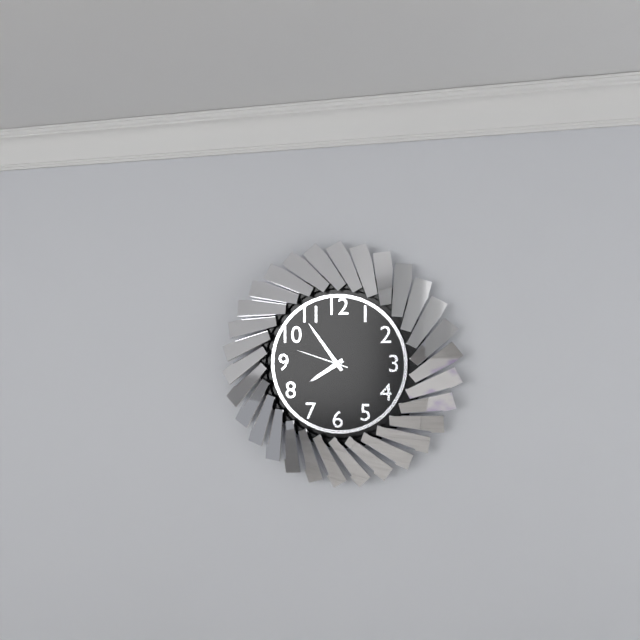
{"hour": 7, "minute": 54, "second": 48}
